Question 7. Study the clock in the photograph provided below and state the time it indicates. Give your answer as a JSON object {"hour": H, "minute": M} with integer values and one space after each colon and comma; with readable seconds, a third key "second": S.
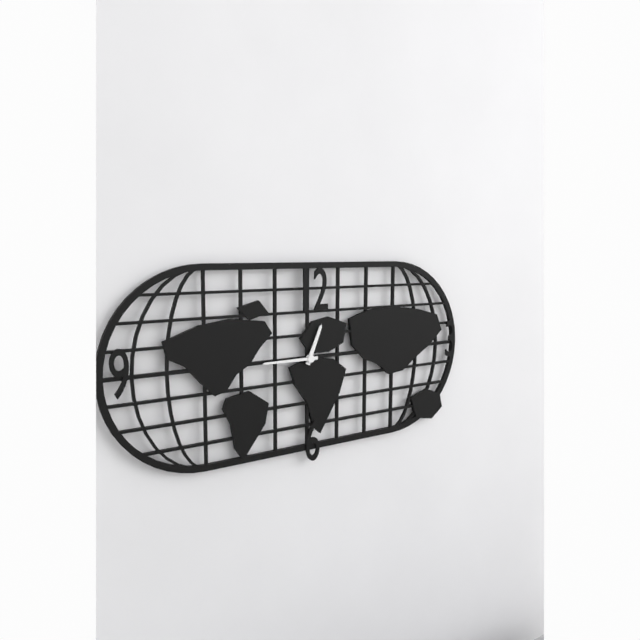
{"hour": 12, "minute": 45}
